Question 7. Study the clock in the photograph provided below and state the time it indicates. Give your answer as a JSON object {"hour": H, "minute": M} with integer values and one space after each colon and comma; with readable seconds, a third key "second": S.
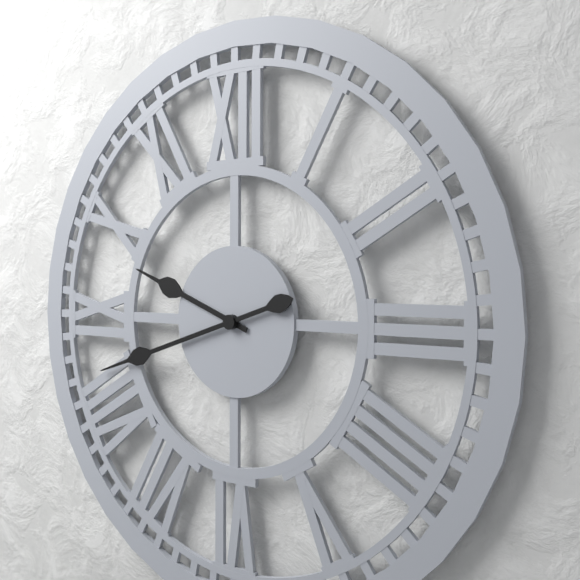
{"hour": 9, "minute": 42}
